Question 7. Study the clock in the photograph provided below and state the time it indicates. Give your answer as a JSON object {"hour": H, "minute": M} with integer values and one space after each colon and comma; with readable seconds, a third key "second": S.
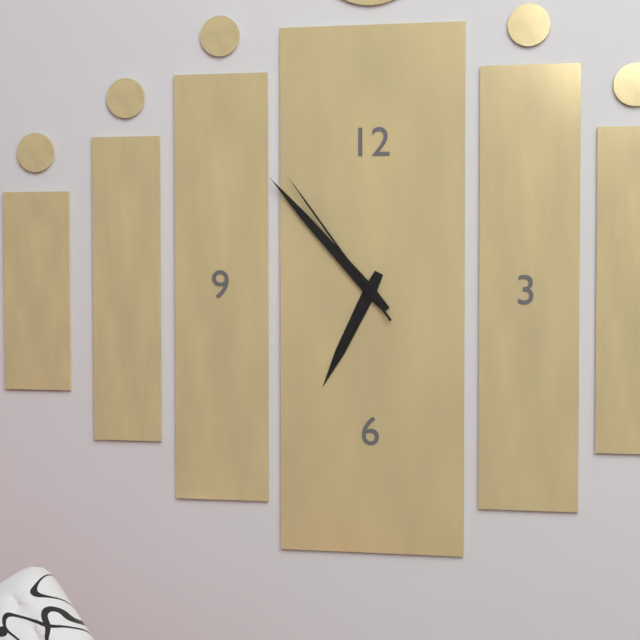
{"hour": 6, "minute": 53, "second": 54}
